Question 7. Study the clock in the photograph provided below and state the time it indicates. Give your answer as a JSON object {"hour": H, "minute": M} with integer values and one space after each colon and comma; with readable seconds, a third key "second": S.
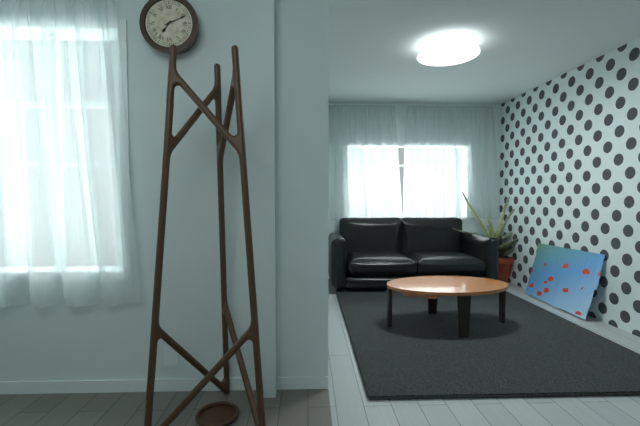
{"hour": 7, "minute": 11}
